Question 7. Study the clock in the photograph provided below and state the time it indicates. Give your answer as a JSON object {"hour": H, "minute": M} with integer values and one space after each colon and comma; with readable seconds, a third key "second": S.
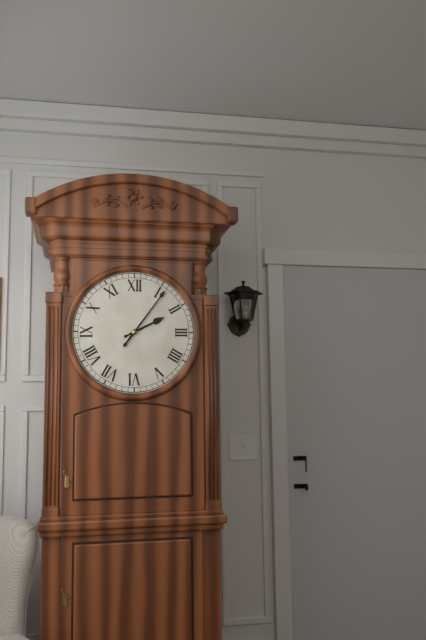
{"hour": 2, "minute": 6}
